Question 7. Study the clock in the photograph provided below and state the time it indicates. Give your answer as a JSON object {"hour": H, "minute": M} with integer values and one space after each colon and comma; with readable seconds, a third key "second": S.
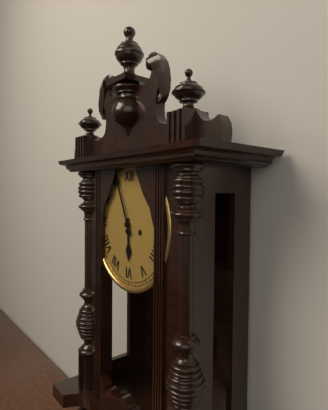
{"hour": 5, "minute": 56}
